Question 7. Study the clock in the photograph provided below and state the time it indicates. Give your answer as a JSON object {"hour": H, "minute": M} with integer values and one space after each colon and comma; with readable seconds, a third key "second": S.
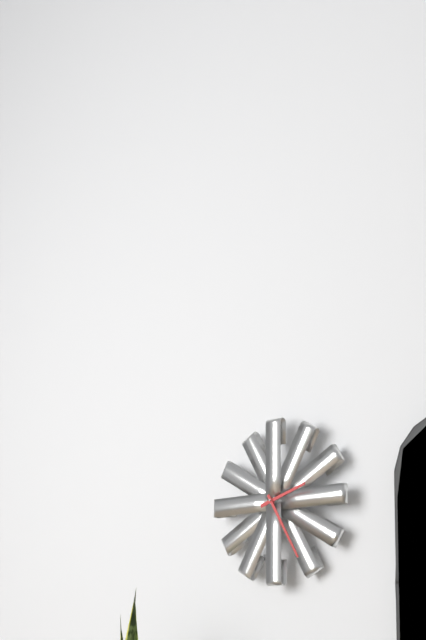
{"hour": 2, "minute": 25}
